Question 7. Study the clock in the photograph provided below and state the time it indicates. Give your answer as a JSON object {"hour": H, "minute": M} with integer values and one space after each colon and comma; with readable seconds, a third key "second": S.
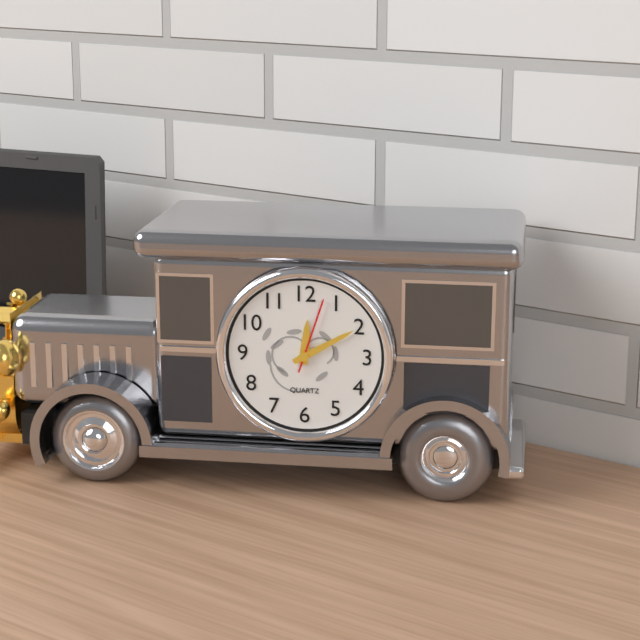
{"hour": 12, "minute": 10, "second": 3}
